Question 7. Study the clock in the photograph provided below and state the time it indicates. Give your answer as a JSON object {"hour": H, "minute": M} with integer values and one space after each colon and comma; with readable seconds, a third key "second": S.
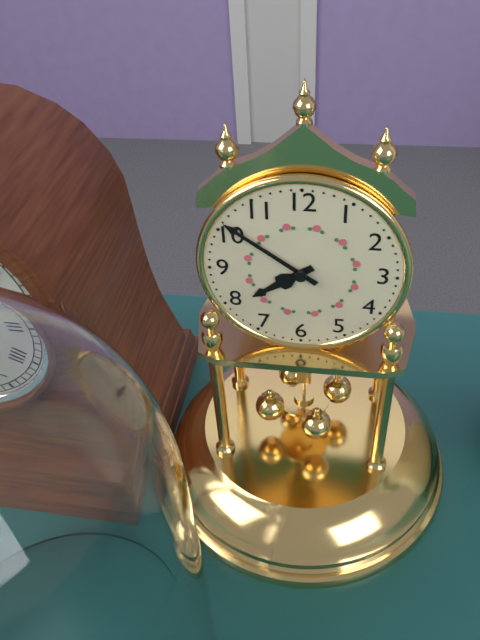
{"hour": 7, "minute": 51}
